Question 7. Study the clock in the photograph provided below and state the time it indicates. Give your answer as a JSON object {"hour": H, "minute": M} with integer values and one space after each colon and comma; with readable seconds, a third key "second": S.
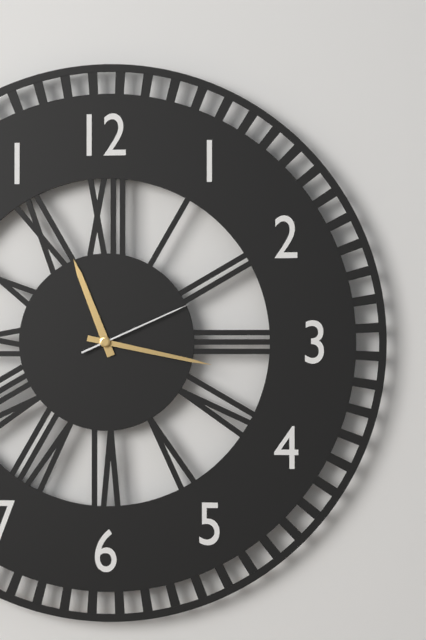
{"hour": 11, "minute": 17, "second": 11}
